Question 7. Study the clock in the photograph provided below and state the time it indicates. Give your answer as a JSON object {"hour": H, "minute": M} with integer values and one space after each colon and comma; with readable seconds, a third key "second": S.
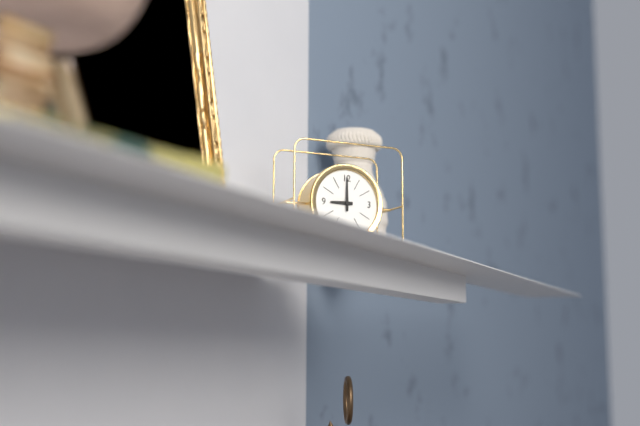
{"hour": 9, "minute": 0}
